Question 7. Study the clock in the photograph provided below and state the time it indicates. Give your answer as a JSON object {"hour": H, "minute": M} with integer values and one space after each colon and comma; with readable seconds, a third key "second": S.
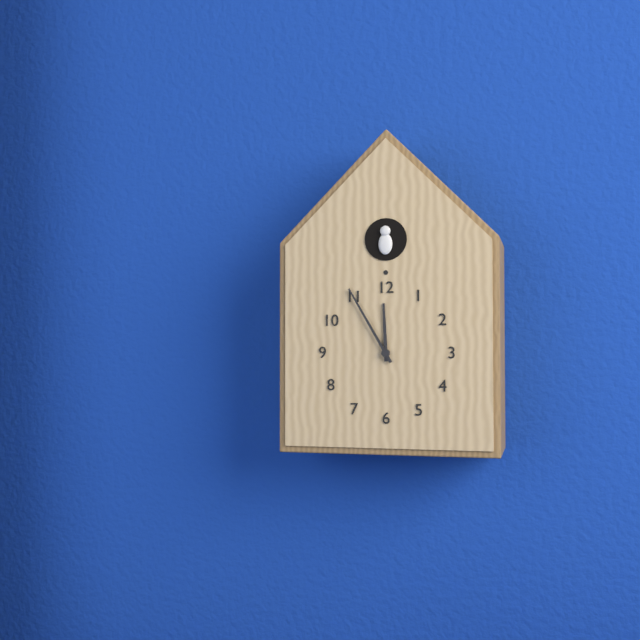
{"hour": 11, "minute": 55}
